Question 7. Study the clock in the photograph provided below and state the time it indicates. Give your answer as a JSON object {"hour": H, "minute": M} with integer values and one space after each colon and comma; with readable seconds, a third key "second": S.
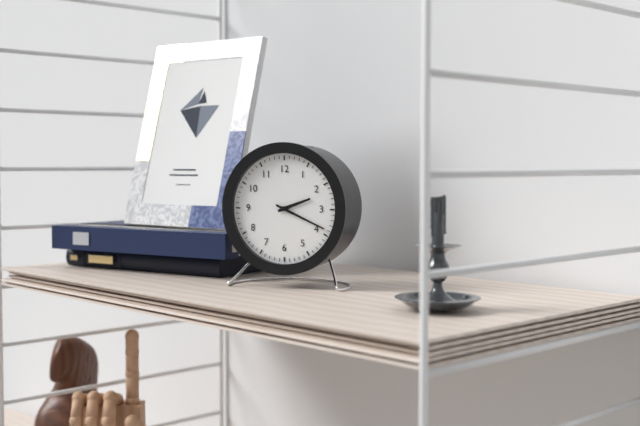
{"hour": 2, "minute": 19}
